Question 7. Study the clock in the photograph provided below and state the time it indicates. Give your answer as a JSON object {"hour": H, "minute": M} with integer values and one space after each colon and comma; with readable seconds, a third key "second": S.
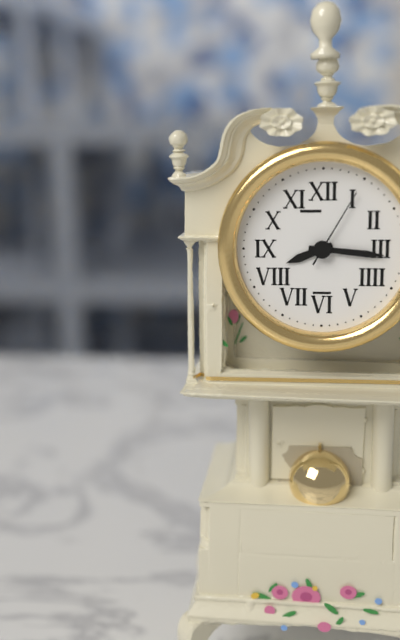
{"hour": 8, "minute": 16, "second": 5}
